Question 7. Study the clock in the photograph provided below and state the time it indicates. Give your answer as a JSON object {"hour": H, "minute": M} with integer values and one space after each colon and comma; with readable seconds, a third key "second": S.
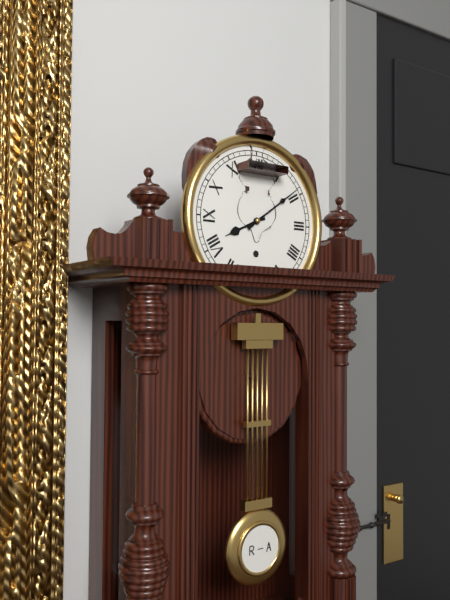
{"hour": 8, "minute": 9}
